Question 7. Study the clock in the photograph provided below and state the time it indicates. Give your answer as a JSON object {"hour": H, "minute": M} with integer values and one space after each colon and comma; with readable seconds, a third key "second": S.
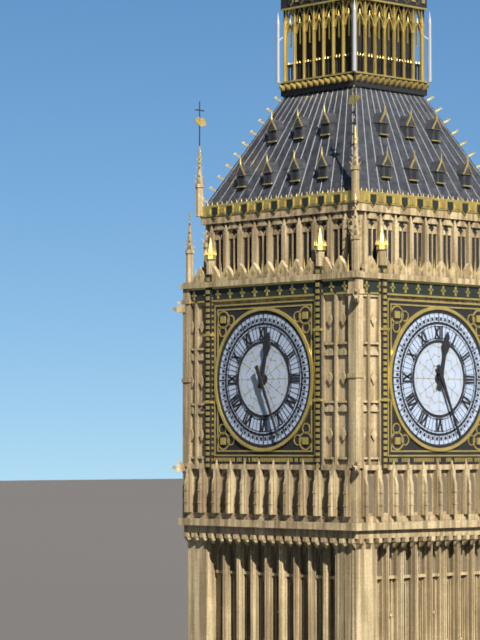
{"hour": 12, "minute": 26}
